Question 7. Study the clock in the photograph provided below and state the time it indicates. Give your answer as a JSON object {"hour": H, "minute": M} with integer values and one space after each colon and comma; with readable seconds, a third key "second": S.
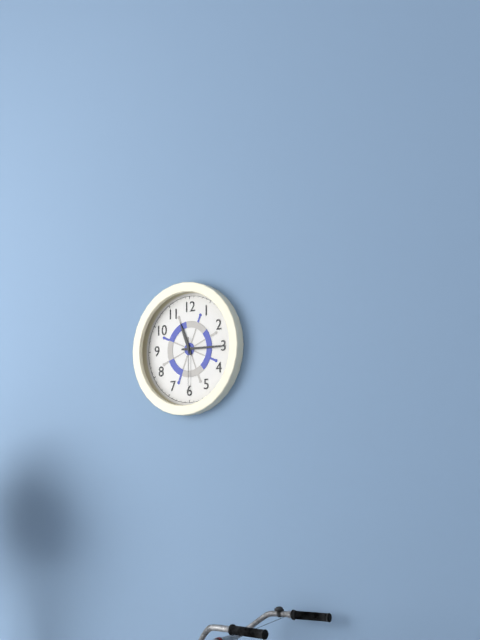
{"hour": 11, "minute": 15, "second": 30}
